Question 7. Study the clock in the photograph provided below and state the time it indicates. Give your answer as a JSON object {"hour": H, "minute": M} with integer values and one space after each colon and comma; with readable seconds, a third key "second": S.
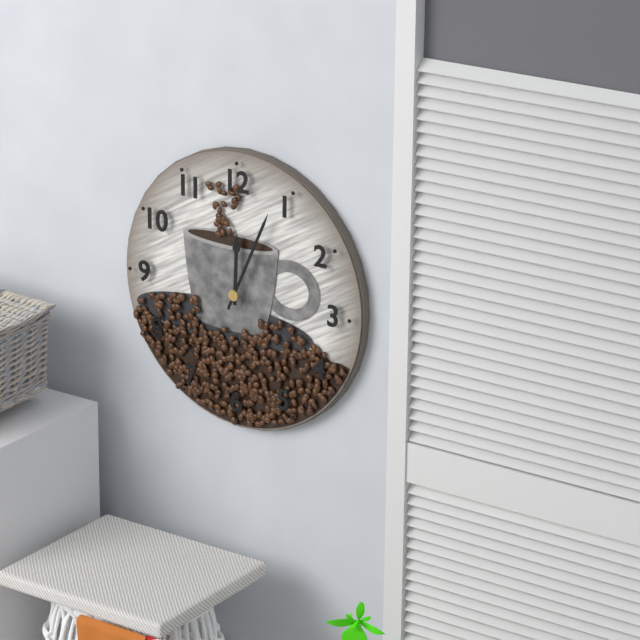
{"hour": 12, "minute": 4}
